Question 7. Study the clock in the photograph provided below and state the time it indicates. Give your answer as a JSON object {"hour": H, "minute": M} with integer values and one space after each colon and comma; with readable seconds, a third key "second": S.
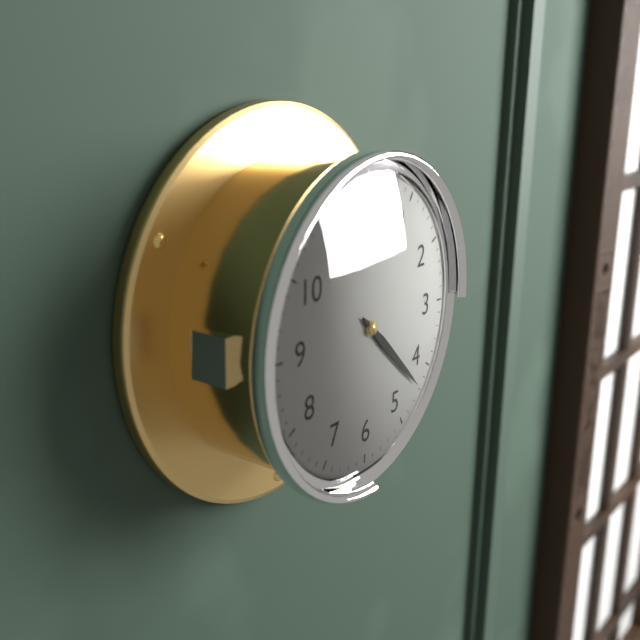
{"hour": 4, "minute": 22}
